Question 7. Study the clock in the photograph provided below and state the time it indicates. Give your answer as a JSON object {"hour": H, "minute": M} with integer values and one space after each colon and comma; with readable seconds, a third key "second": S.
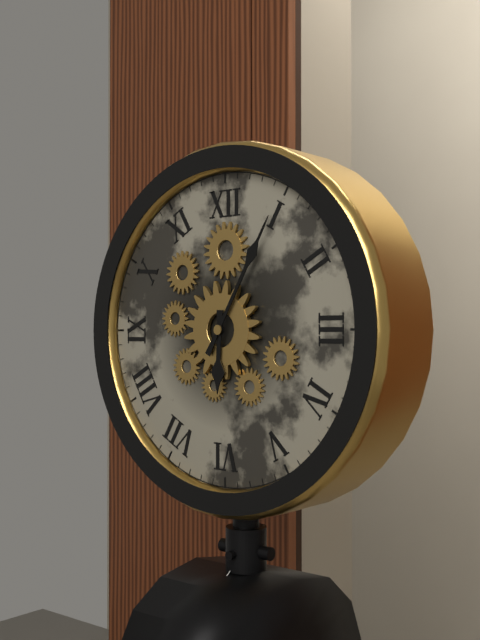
{"hour": 6, "minute": 5}
